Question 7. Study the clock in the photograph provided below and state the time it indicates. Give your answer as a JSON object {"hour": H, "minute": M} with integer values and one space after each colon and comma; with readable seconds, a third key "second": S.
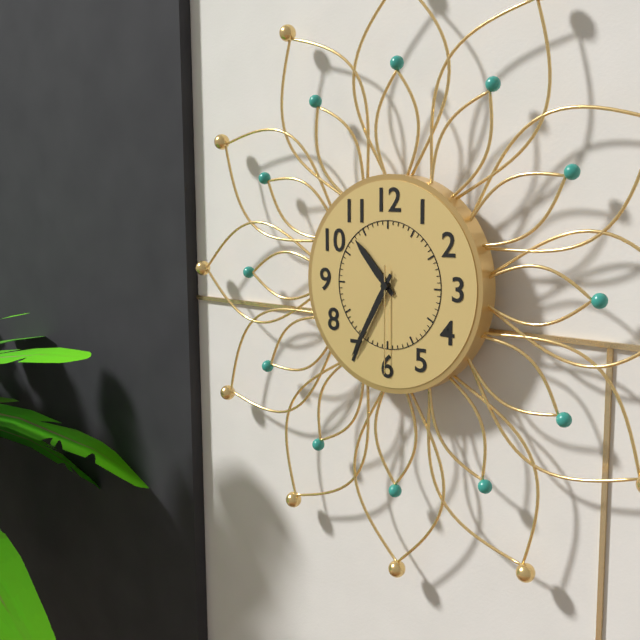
{"hour": 10, "minute": 35, "second": 30}
